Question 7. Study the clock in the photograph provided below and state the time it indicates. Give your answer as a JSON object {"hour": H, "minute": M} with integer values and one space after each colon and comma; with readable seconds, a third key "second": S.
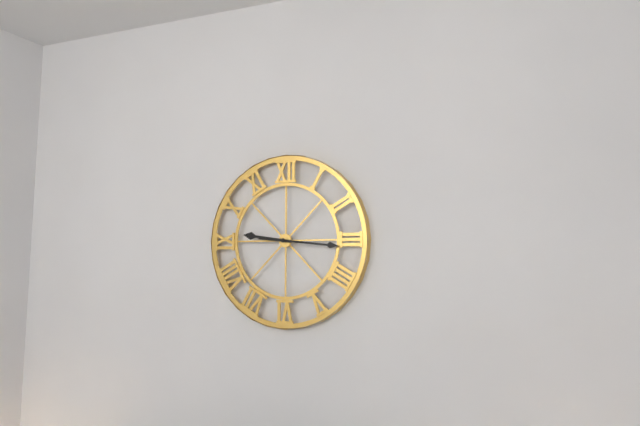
{"hour": 9, "minute": 16}
